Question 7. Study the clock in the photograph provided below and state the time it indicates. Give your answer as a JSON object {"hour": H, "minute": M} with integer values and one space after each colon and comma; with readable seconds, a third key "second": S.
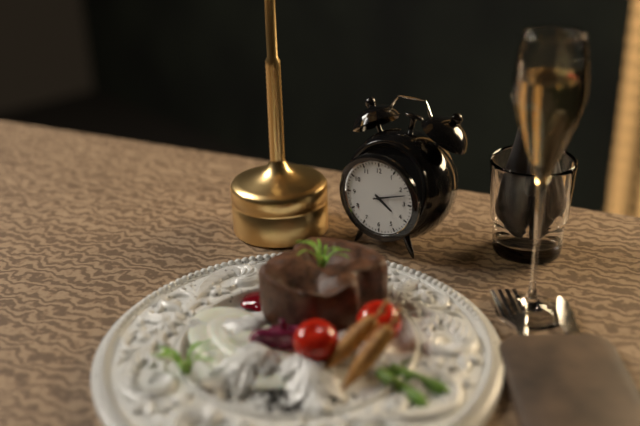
{"hour": 4, "minute": 12}
